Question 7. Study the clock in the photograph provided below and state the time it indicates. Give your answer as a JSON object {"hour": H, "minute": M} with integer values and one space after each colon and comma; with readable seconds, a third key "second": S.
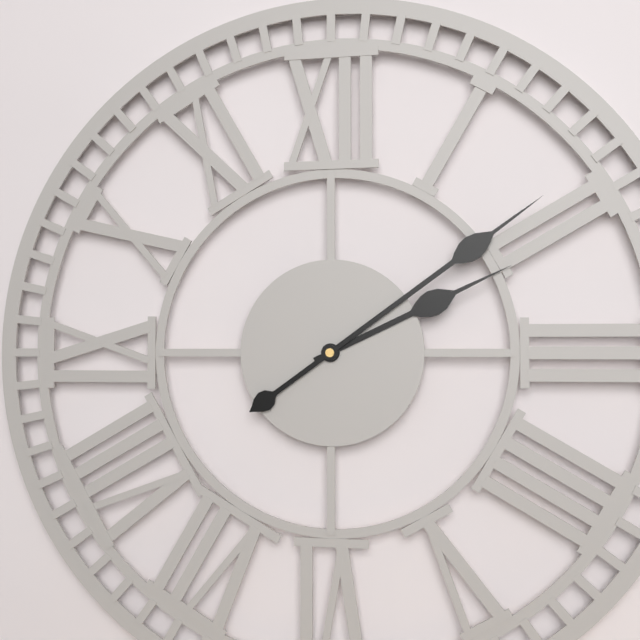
{"hour": 2, "minute": 9}
